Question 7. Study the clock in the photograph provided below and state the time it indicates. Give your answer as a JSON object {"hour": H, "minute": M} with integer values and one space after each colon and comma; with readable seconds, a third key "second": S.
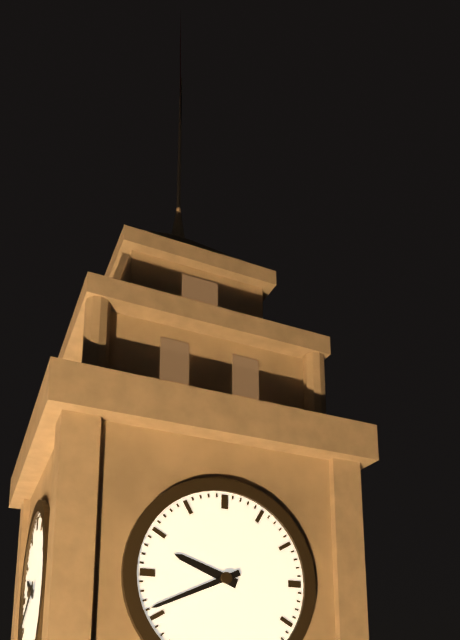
{"hour": 9, "minute": 41}
